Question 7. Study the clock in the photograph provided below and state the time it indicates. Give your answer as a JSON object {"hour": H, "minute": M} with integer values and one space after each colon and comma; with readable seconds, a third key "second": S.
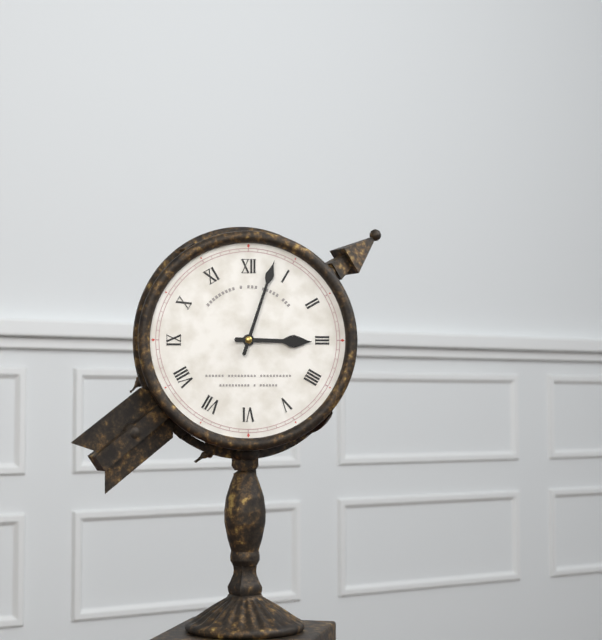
{"hour": 3, "minute": 3}
